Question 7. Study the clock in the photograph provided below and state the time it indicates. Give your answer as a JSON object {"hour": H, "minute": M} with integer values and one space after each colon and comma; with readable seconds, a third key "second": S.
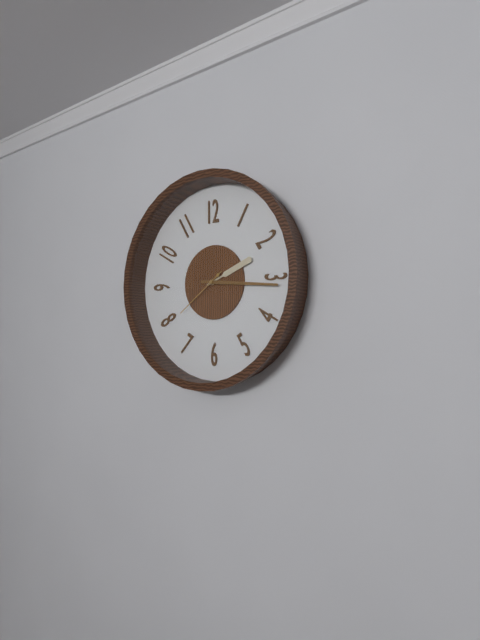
{"hour": 2, "minute": 16, "second": 39}
